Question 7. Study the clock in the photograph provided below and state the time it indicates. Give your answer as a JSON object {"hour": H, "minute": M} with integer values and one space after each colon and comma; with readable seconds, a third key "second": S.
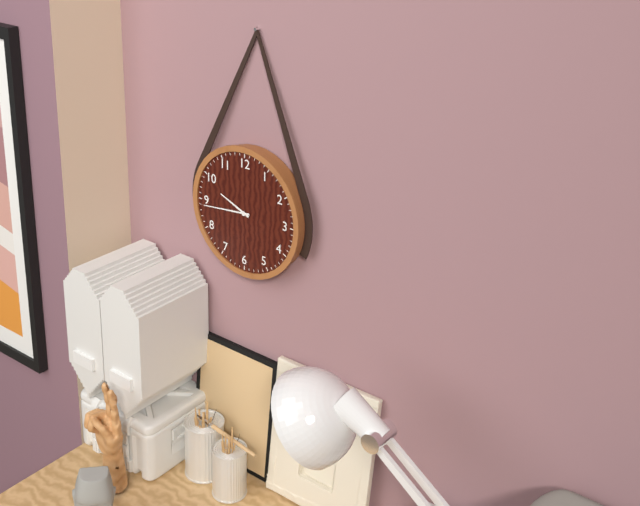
{"hour": 9, "minute": 44}
